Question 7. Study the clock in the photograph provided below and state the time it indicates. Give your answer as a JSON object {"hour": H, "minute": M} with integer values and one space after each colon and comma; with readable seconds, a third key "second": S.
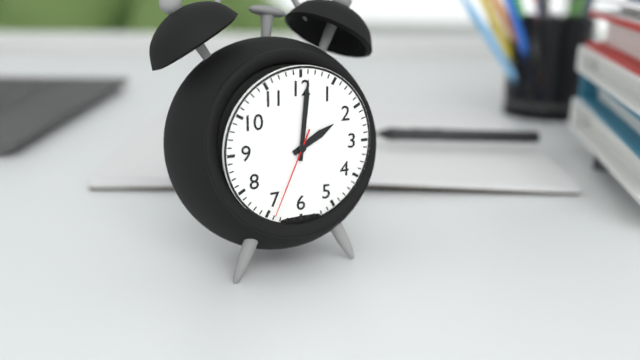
{"hour": 2, "minute": 1, "second": 34}
